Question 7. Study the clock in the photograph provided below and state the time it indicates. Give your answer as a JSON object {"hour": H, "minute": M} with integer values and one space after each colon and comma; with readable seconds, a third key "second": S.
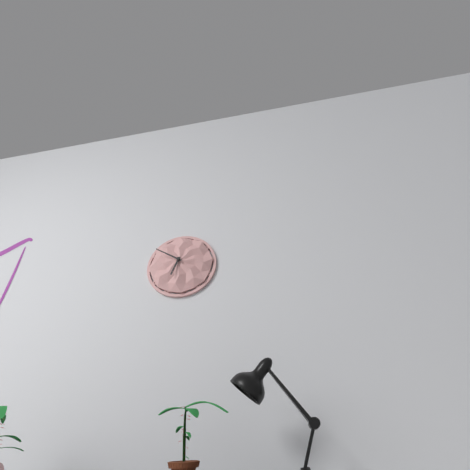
{"hour": 6, "minute": 51}
